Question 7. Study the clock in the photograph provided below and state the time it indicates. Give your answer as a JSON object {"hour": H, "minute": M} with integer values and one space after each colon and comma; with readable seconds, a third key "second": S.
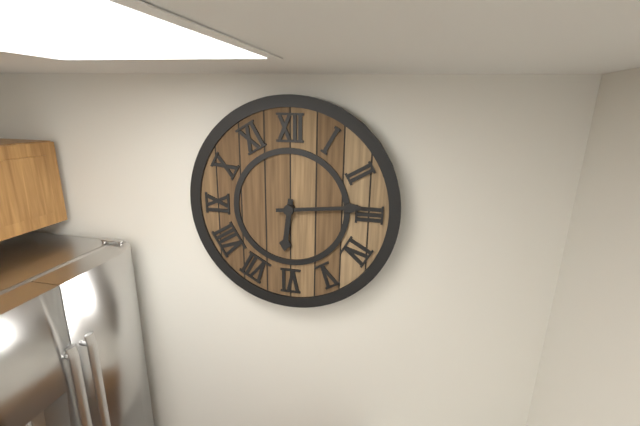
{"hour": 6, "minute": 14}
